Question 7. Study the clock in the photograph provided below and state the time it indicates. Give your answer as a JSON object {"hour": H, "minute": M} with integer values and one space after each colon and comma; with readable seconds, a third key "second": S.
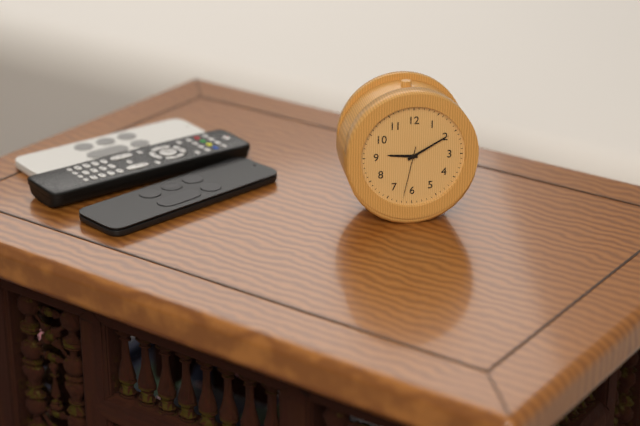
{"hour": 9, "minute": 10, "second": 32}
